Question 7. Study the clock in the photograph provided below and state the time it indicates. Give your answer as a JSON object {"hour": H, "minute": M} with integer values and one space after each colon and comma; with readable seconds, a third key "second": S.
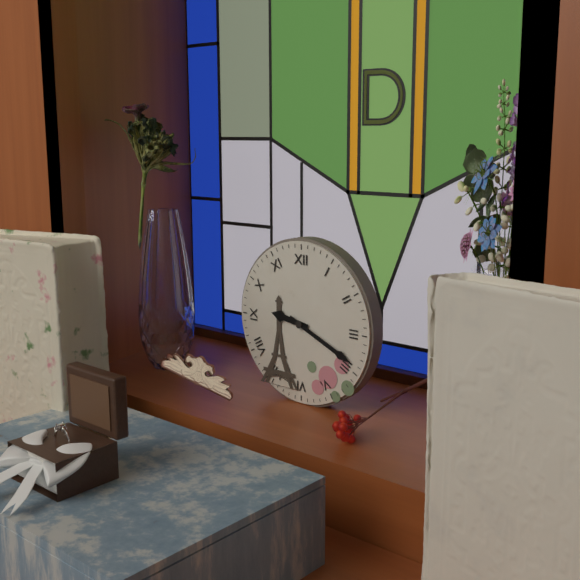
{"hour": 9, "minute": 19}
